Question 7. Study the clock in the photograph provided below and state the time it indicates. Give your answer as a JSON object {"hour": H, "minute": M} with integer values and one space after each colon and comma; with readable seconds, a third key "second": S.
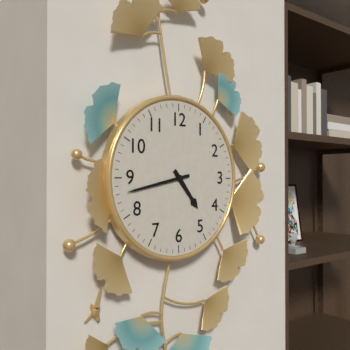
{"hour": 4, "minute": 43}
